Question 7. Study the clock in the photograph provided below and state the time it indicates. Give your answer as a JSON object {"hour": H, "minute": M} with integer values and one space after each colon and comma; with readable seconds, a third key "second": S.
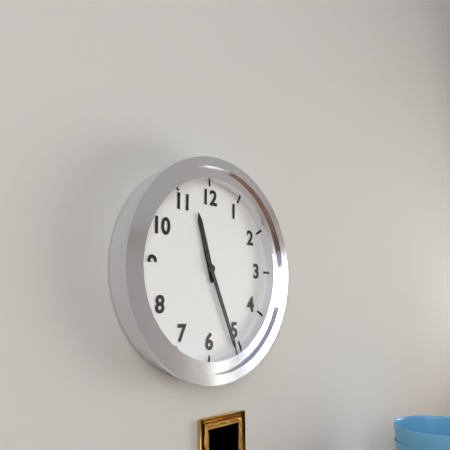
{"hour": 11, "minute": 26}
